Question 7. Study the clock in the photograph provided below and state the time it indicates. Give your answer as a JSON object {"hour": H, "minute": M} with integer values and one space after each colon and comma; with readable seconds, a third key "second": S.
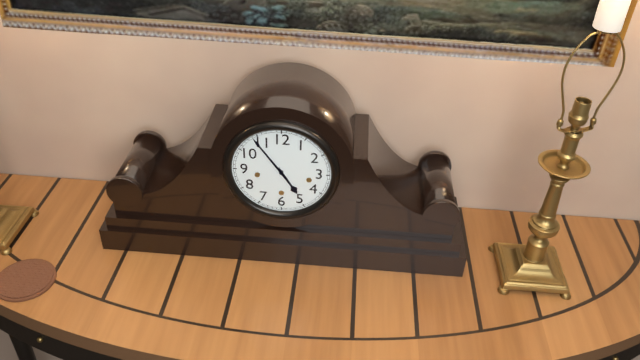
{"hour": 4, "minute": 54}
